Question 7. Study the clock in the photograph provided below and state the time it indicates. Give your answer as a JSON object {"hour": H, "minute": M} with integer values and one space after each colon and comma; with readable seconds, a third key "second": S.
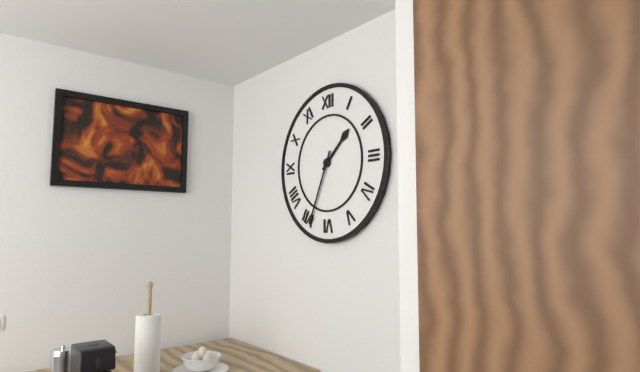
{"hour": 1, "minute": 34}
